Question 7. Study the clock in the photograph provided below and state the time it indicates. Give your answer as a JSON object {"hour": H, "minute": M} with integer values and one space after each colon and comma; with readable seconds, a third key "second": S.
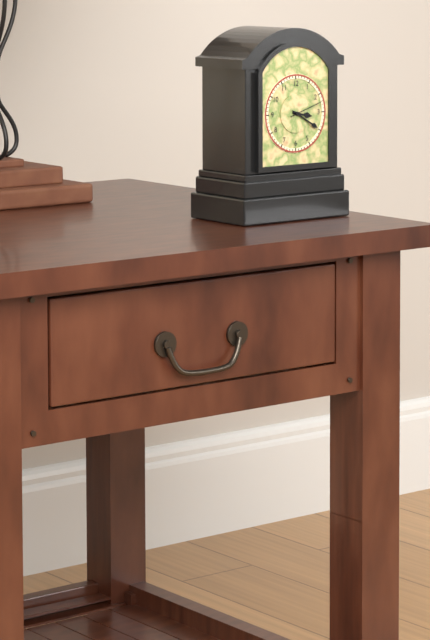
{"hour": 3, "minute": 20}
